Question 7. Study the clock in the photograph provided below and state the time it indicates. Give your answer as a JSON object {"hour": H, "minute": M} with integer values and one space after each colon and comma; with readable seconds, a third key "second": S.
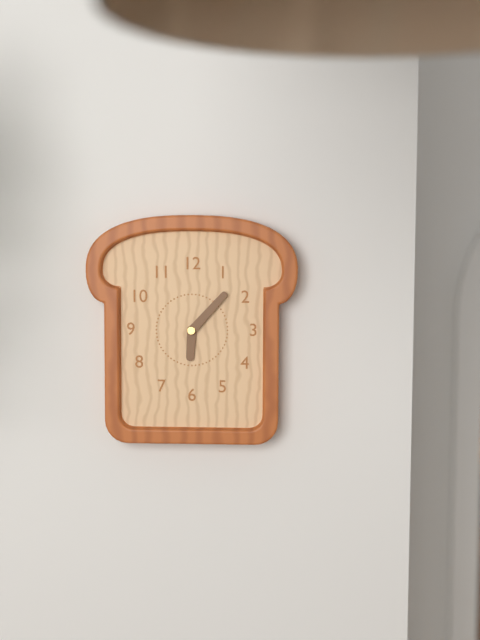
{"hour": 6, "minute": 7}
